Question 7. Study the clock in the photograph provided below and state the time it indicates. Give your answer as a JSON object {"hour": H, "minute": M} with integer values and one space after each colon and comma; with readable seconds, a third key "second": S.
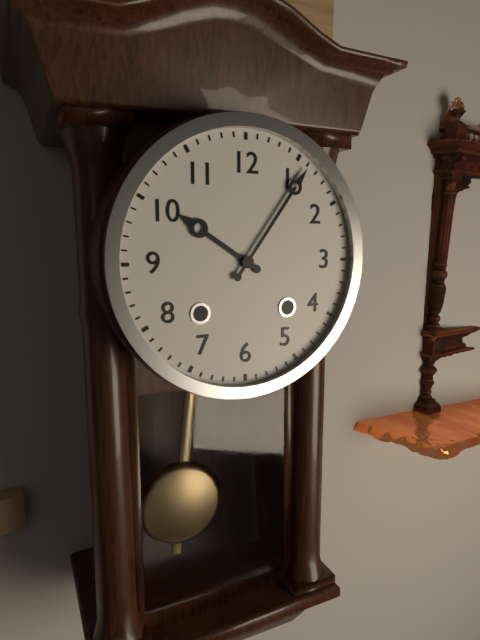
{"hour": 10, "minute": 6}
